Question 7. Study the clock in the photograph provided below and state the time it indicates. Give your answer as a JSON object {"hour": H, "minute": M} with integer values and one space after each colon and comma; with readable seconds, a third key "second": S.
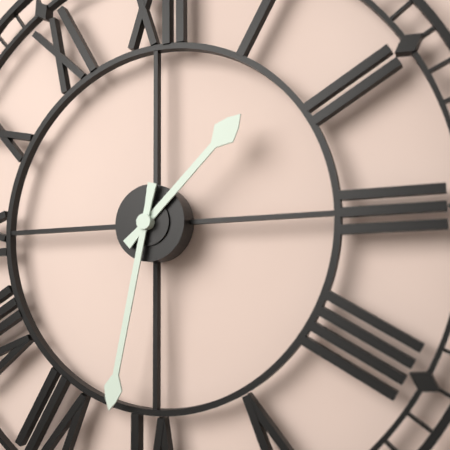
{"hour": 1, "minute": 32}
